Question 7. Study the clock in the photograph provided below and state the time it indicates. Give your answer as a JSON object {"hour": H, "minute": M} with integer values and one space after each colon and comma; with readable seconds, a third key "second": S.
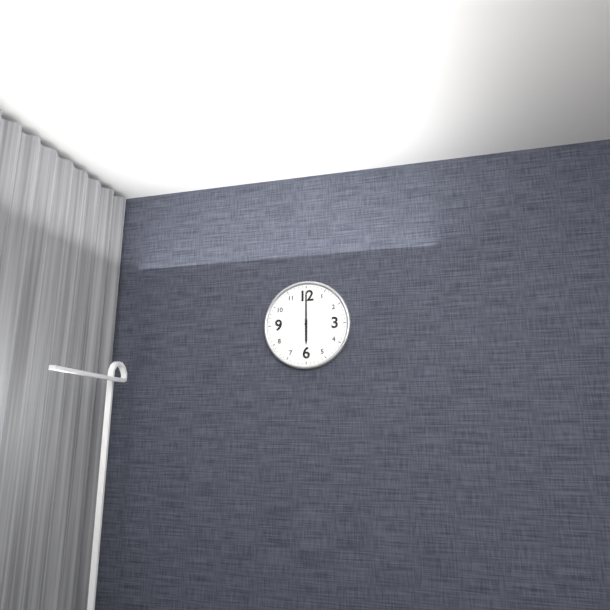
{"hour": 6, "minute": 0}
